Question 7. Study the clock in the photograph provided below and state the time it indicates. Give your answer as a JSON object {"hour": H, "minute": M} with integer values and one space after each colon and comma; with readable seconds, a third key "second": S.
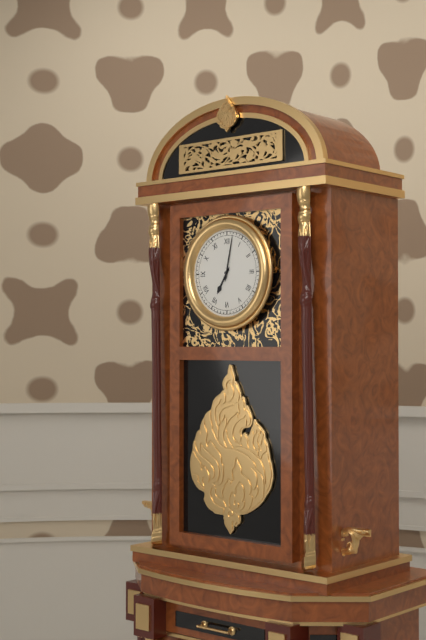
{"hour": 7, "minute": 2}
